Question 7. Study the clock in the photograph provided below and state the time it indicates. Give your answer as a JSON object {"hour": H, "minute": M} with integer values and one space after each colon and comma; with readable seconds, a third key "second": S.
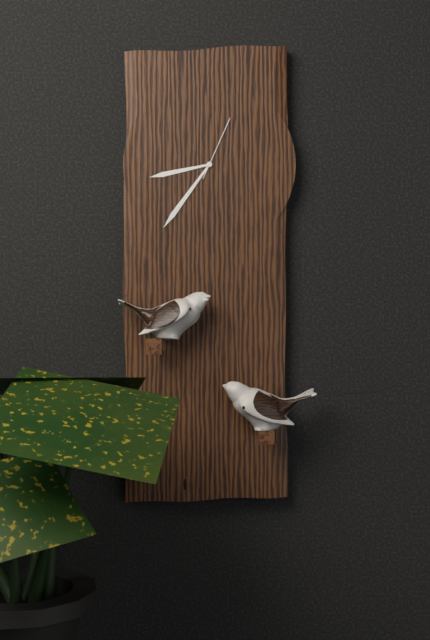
{"hour": 8, "minute": 36, "second": 4}
